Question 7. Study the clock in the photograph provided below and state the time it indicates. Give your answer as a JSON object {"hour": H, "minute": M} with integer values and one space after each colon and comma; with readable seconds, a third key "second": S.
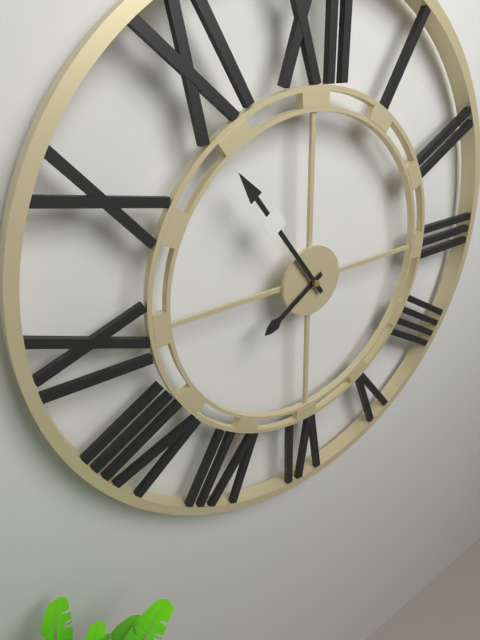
{"hour": 7, "minute": 54}
